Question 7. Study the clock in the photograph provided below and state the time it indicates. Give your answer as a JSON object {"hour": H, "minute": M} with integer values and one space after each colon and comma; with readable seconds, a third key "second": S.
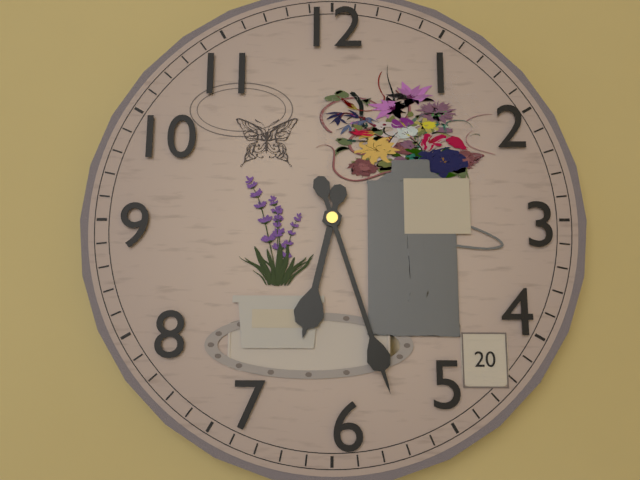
{"hour": 6, "minute": 27}
